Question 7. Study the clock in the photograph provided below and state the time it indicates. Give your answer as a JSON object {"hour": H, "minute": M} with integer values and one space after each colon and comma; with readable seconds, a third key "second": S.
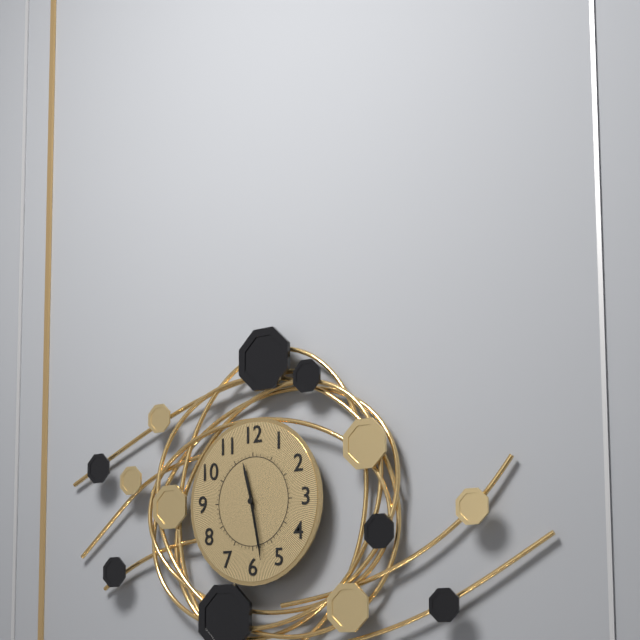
{"hour": 11, "minute": 28, "second": 28}
